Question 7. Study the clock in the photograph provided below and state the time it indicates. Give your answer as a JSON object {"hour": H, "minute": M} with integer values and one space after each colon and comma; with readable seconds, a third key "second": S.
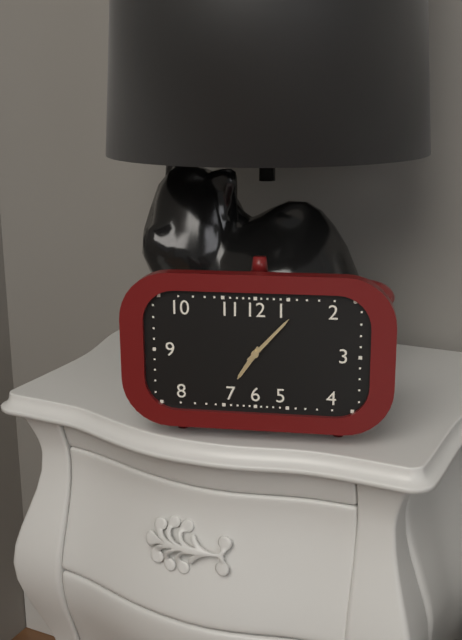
{"hour": 7, "minute": 7}
